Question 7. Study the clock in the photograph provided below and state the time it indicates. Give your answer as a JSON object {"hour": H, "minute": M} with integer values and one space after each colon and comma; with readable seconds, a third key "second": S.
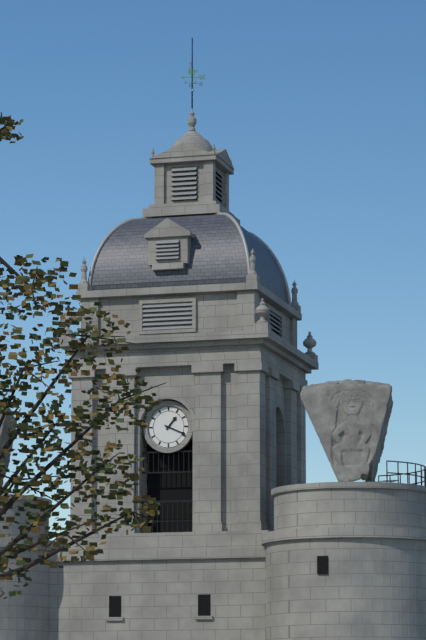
{"hour": 1, "minute": 19}
